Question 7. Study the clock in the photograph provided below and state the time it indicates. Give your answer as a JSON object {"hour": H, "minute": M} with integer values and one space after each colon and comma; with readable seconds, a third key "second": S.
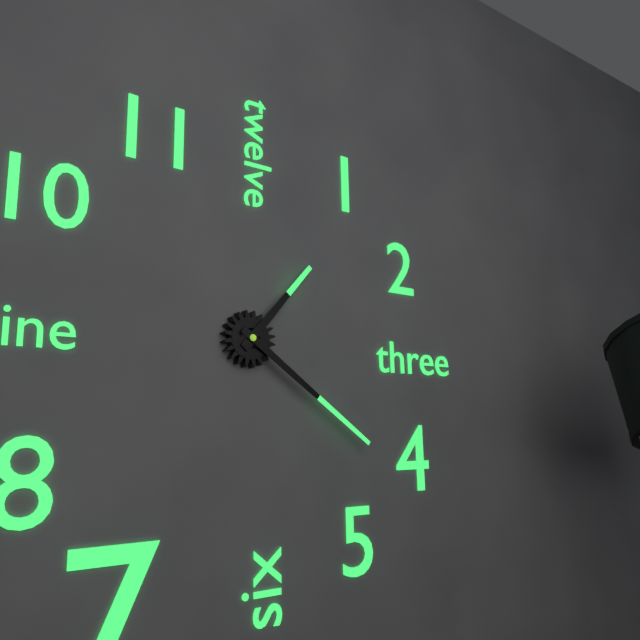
{"hour": 1, "minute": 21}
